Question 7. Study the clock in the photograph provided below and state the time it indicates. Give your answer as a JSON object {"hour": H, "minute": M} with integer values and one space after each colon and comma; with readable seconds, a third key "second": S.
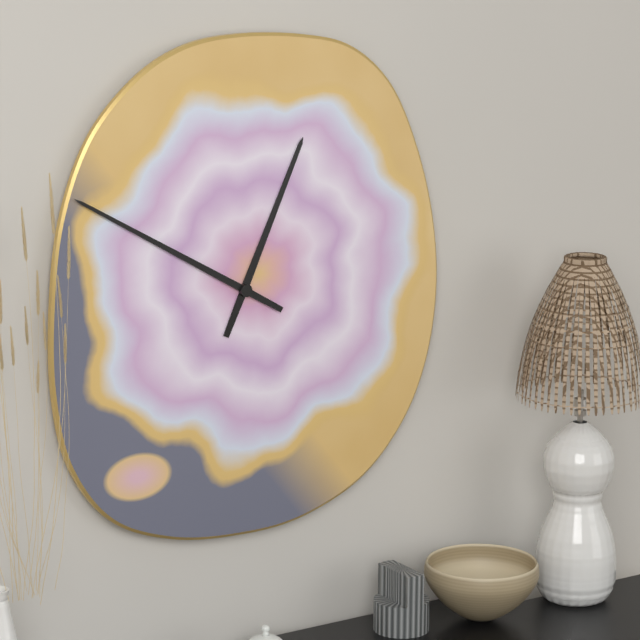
{"hour": 12, "minute": 50}
